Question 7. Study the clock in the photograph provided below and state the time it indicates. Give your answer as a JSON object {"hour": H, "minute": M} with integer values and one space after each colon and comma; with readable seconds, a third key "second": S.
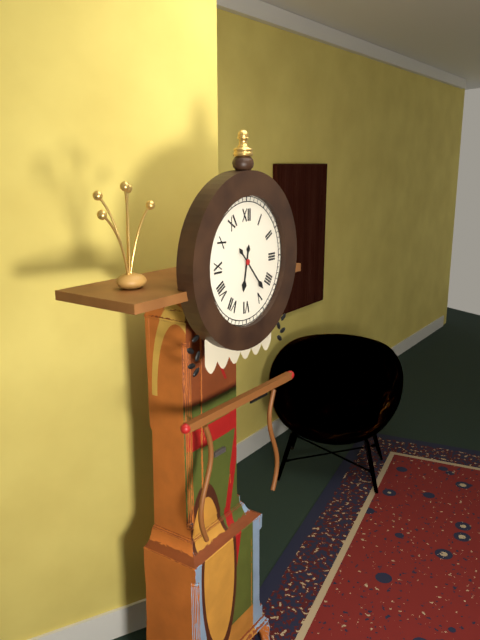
{"hour": 6, "minute": 23}
